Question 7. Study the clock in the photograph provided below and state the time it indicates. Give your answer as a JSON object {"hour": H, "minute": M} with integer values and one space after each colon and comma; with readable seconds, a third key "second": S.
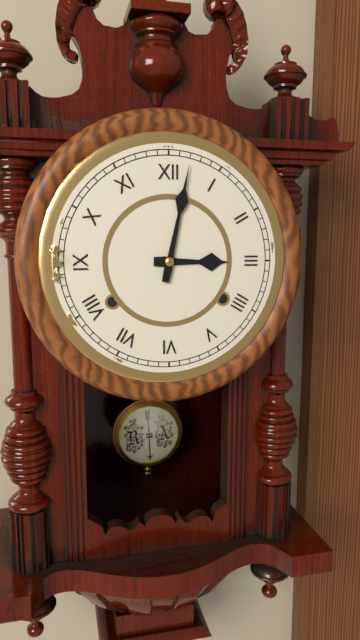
{"hour": 3, "minute": 2}
